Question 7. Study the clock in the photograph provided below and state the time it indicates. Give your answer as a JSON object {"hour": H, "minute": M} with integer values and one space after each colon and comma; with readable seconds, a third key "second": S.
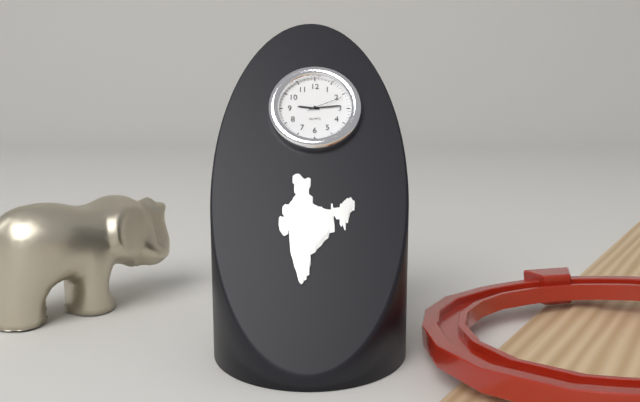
{"hour": 9, "minute": 14}
